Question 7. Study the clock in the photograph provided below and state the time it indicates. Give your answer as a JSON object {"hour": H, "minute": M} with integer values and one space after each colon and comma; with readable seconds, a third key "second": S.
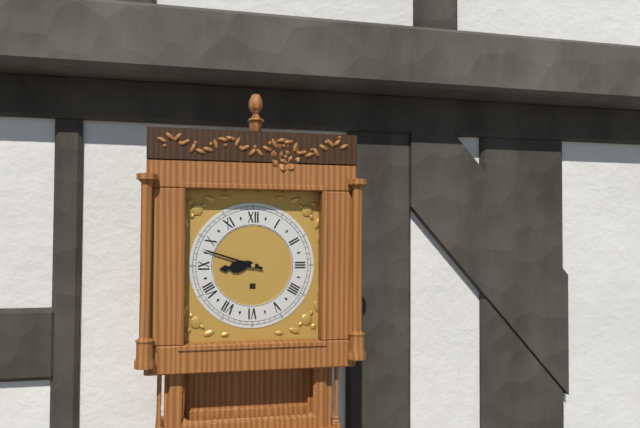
{"hour": 8, "minute": 48}
